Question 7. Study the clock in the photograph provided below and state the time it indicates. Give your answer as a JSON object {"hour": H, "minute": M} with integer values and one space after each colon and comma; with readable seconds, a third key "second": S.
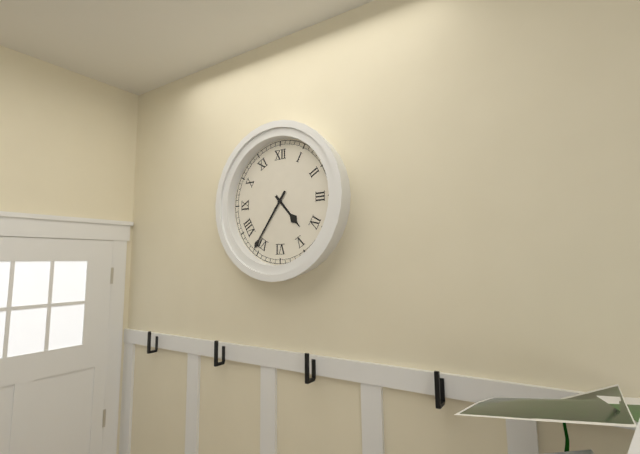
{"hour": 4, "minute": 36}
